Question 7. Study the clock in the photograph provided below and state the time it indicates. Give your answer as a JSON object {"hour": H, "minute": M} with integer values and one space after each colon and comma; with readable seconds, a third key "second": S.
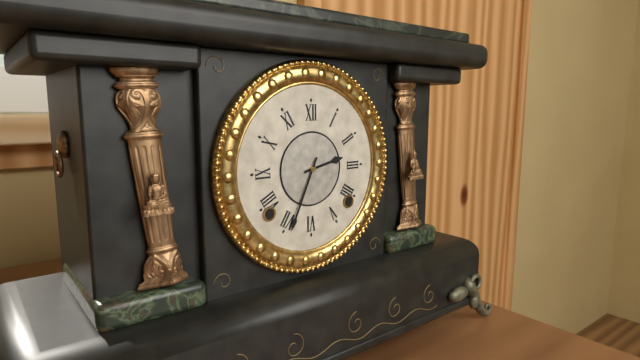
{"hour": 2, "minute": 34}
